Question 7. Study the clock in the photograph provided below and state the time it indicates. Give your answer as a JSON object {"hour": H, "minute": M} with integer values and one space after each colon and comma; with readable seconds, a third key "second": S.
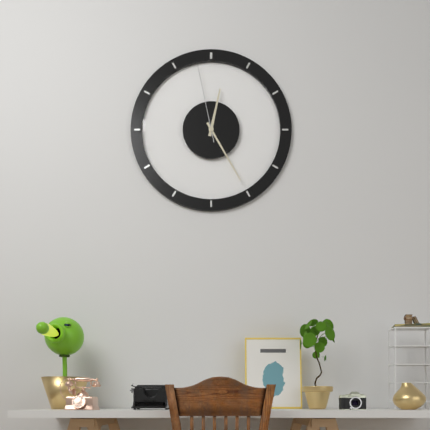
{"hour": 12, "minute": 25, "second": 58}
